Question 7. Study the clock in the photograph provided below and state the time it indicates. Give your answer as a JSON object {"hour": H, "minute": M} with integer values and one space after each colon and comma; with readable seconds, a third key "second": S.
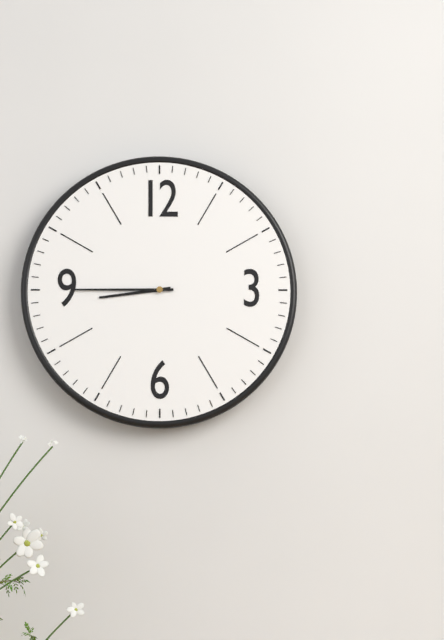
{"hour": 8, "minute": 45}
